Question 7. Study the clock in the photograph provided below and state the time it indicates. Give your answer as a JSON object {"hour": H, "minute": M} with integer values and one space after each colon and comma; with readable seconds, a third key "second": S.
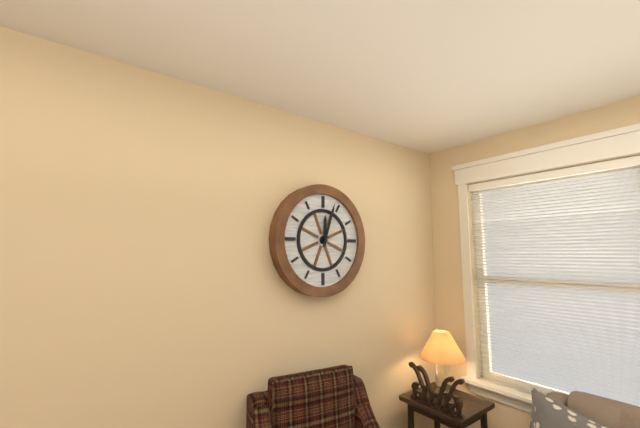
{"hour": 12, "minute": 3}
